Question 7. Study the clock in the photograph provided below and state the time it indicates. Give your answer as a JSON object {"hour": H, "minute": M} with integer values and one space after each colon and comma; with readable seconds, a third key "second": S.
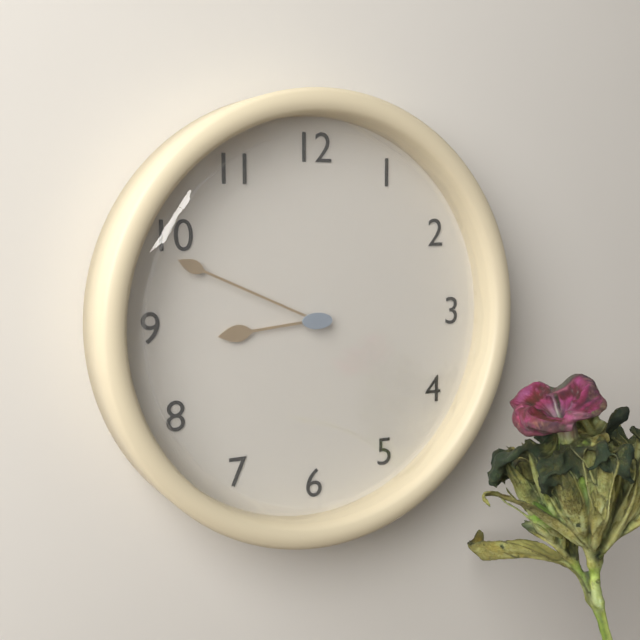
{"hour": 8, "minute": 49}
